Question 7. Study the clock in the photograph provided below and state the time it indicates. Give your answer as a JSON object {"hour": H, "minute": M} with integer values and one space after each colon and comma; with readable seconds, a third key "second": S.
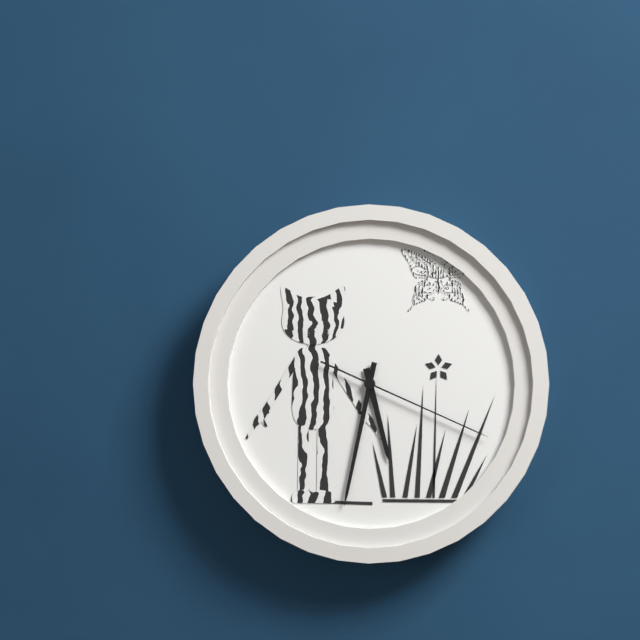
{"hour": 5, "minute": 32, "second": 19}
